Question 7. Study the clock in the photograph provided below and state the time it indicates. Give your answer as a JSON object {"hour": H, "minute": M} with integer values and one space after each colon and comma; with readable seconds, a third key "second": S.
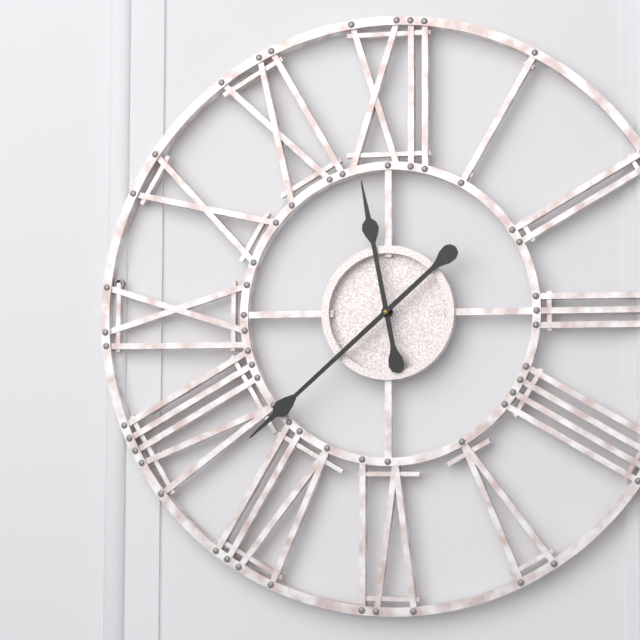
{"hour": 11, "minute": 38}
